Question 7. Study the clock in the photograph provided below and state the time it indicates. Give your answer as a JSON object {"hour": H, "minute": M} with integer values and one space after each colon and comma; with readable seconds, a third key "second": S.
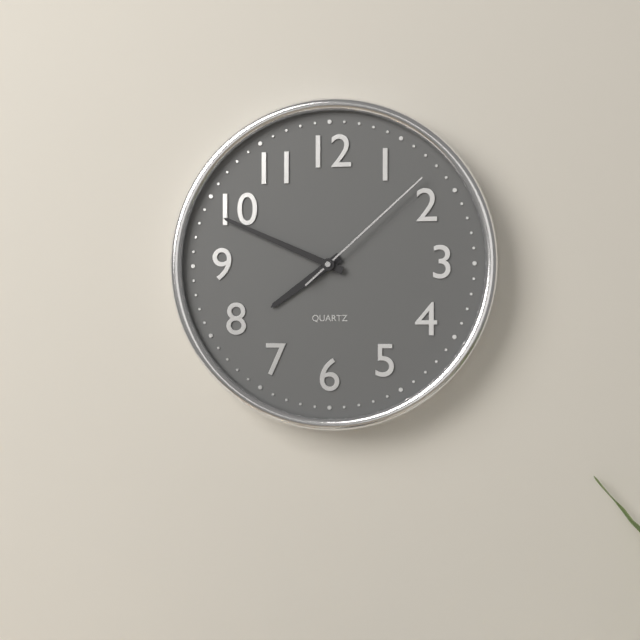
{"hour": 7, "minute": 49, "second": 8}
